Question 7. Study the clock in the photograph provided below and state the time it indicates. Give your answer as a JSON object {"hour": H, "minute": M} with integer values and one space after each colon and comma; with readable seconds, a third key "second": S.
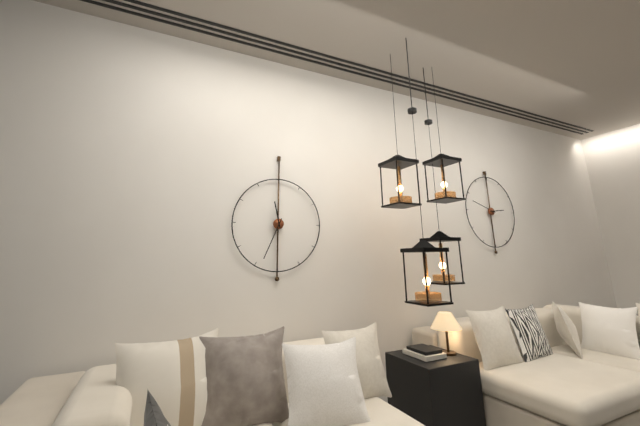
{"hour": 11, "minute": 34}
